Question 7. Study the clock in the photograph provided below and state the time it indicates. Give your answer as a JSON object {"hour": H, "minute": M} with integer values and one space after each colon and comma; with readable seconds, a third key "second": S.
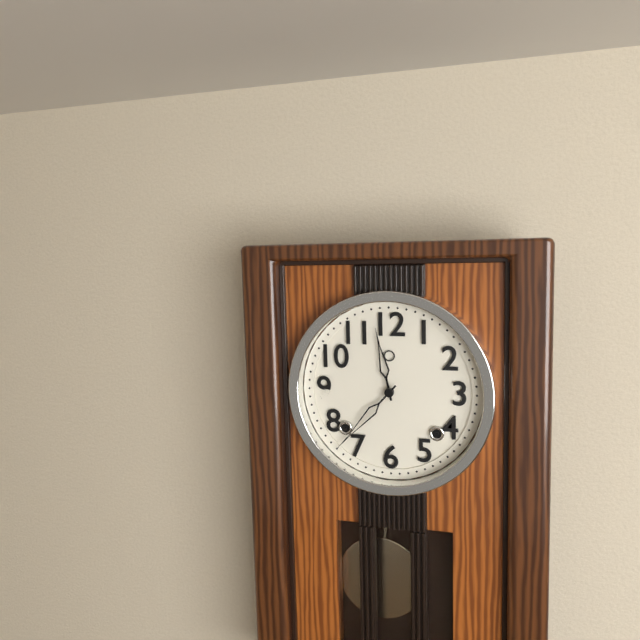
{"hour": 11, "minute": 37}
